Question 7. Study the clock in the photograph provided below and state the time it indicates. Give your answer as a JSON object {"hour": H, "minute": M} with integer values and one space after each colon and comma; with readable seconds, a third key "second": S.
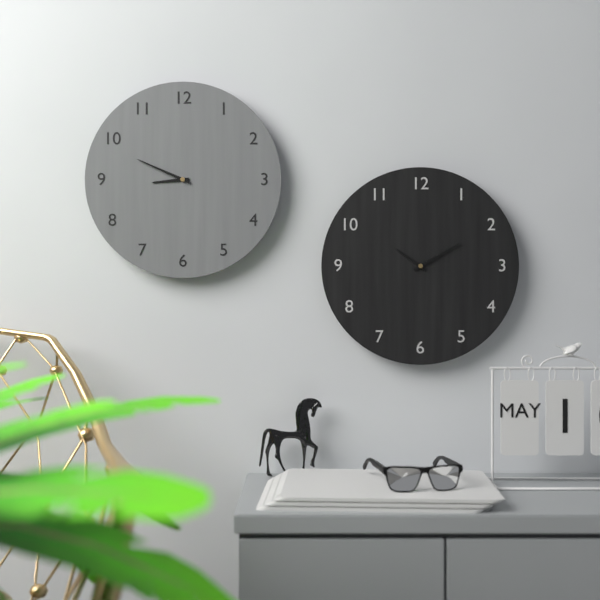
{"hour": 8, "minute": 49}
